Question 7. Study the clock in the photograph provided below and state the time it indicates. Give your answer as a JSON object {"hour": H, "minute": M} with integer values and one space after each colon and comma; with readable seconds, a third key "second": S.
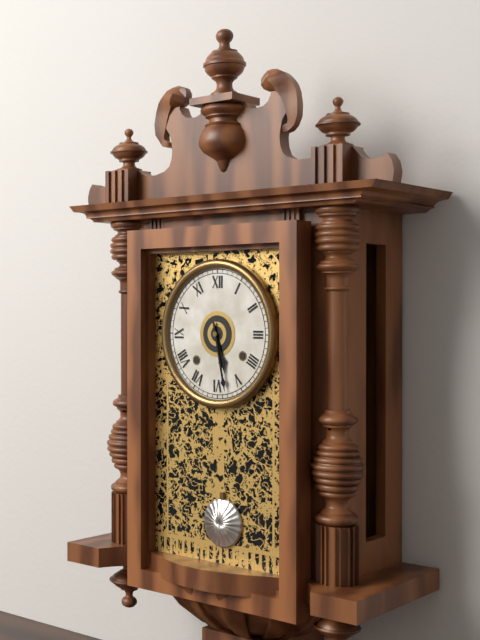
{"hour": 5, "minute": 28}
